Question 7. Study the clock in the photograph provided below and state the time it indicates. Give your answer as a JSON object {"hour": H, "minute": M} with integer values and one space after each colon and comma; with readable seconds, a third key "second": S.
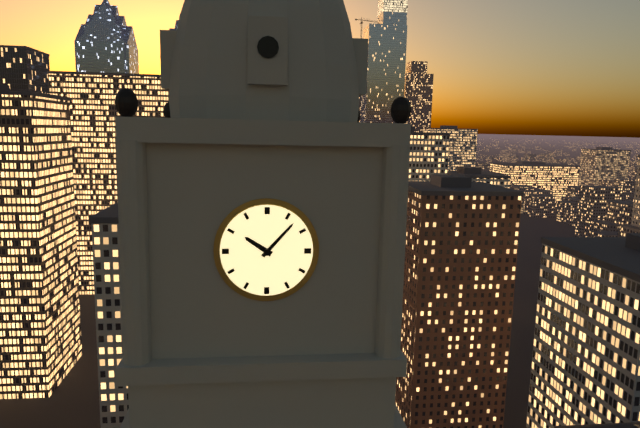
{"hour": 10, "minute": 7}
